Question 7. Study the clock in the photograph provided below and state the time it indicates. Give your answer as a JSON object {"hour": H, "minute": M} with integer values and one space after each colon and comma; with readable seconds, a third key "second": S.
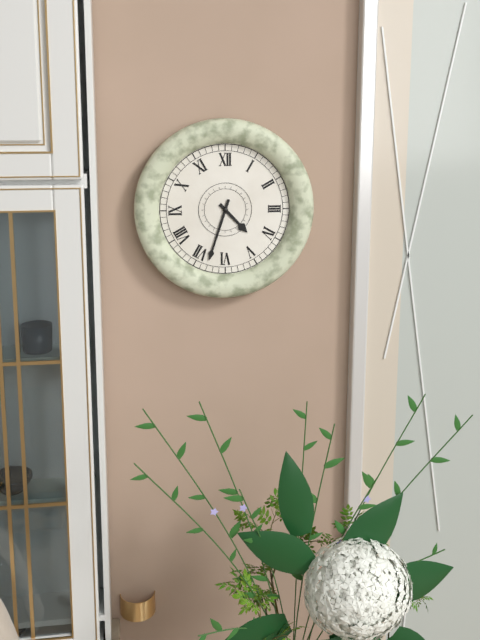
{"hour": 4, "minute": 33}
